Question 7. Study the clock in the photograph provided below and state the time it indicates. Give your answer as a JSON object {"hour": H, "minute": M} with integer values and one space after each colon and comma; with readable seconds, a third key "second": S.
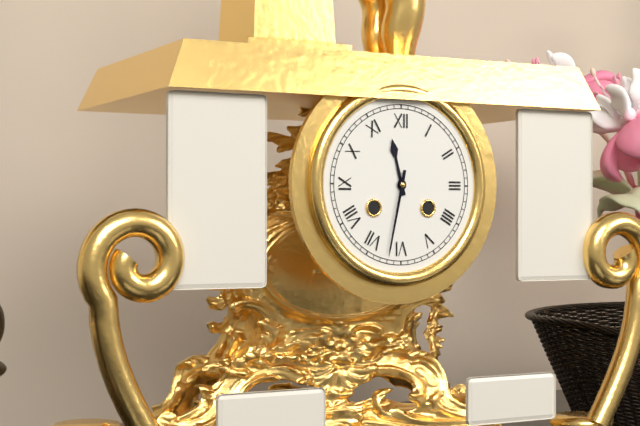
{"hour": 11, "minute": 32}
